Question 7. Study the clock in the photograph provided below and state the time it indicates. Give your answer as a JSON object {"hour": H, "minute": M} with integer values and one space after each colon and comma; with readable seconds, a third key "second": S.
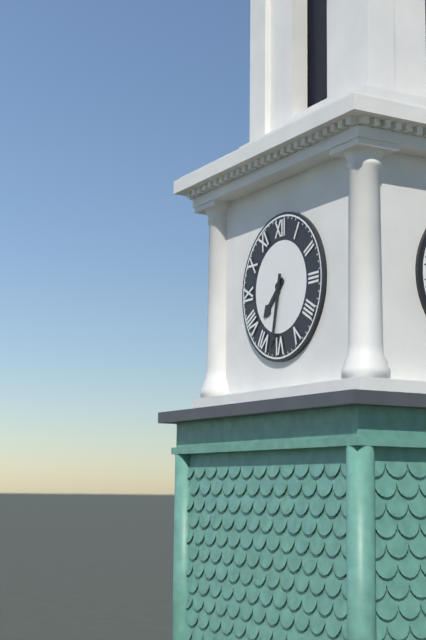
{"hour": 7, "minute": 32}
